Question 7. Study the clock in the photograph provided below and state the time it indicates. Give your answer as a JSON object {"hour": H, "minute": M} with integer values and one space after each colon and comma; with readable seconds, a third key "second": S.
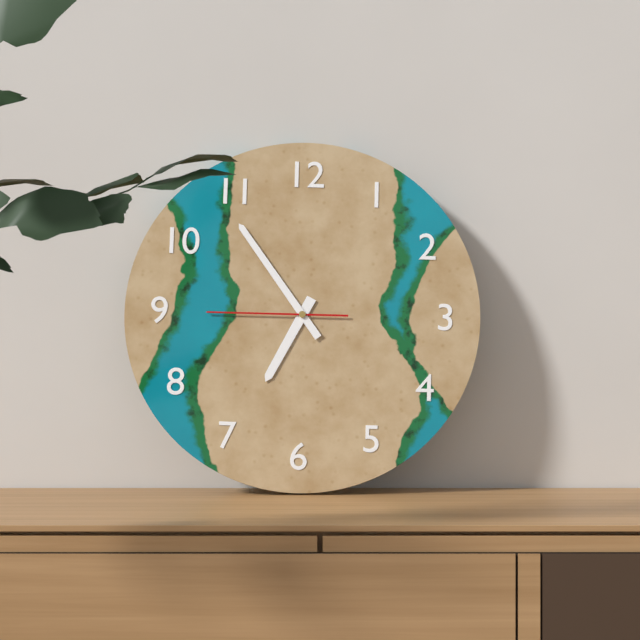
{"hour": 6, "minute": 54, "second": 45}
